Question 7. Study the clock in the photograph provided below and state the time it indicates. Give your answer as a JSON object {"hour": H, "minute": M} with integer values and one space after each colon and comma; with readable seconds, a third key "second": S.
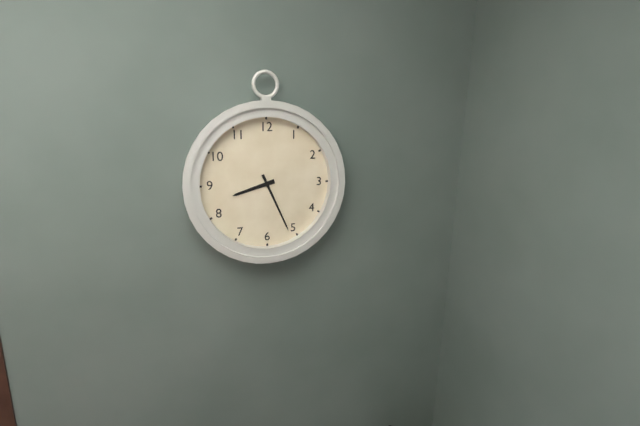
{"hour": 8, "minute": 26}
